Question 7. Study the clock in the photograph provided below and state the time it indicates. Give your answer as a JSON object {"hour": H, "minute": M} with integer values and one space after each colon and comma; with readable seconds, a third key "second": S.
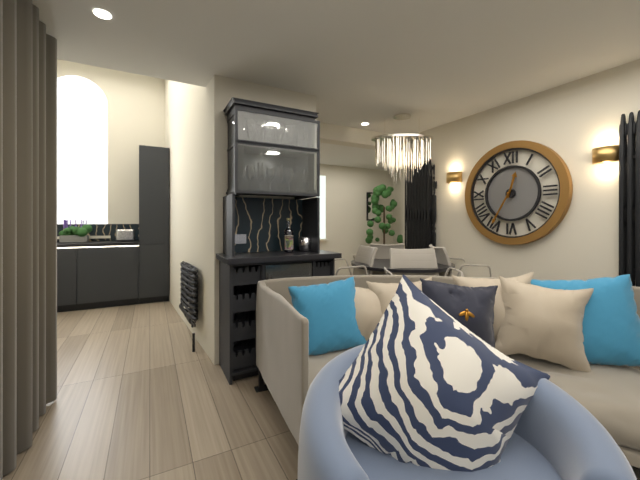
{"hour": 12, "minute": 35}
